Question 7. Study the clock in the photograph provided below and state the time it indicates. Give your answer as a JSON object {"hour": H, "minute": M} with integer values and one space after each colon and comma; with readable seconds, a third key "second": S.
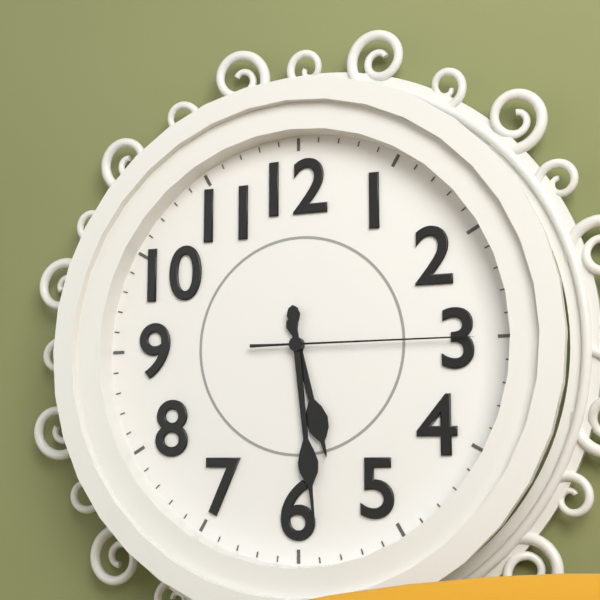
{"hour": 5, "minute": 29, "second": 15}
